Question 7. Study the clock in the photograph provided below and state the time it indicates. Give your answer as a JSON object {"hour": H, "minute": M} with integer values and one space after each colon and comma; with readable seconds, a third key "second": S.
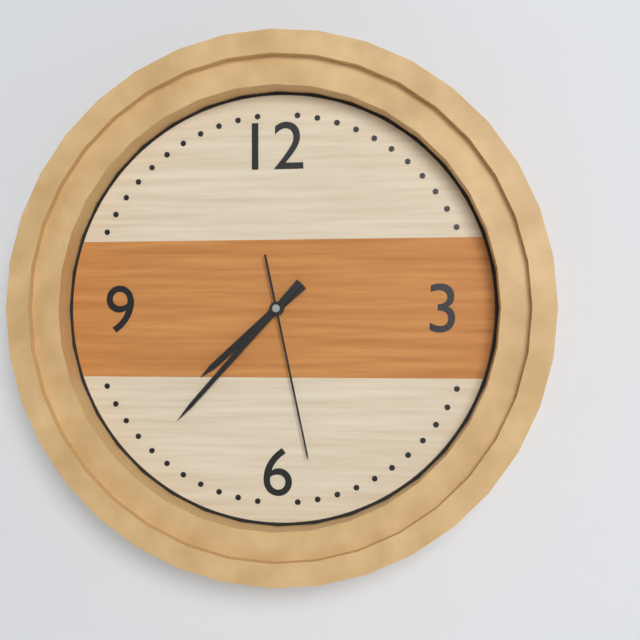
{"hour": 7, "minute": 37, "second": 28}
